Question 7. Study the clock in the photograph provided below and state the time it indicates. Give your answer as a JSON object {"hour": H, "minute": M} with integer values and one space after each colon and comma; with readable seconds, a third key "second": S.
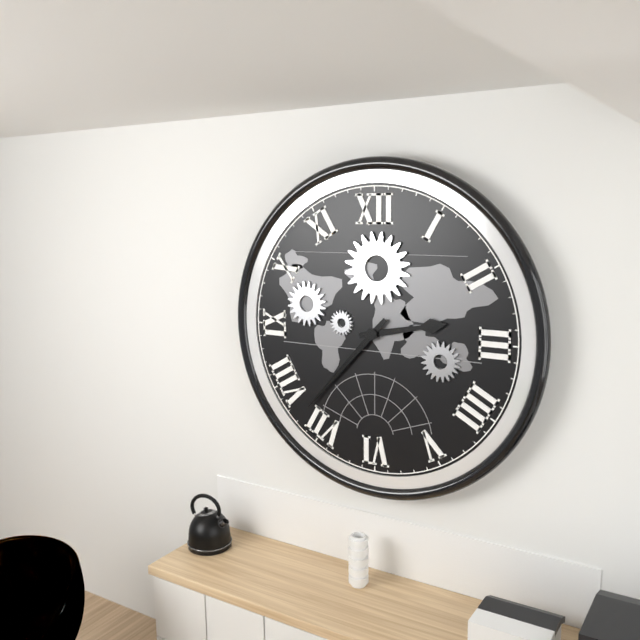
{"hour": 2, "minute": 37}
